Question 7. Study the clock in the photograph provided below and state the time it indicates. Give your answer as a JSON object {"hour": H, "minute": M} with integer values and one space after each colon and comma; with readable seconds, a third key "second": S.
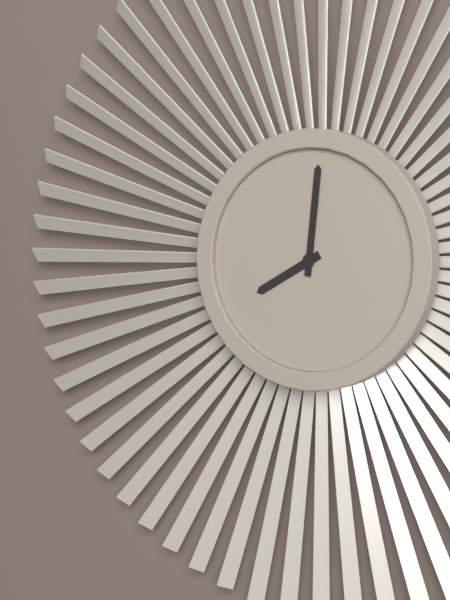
{"hour": 8, "minute": 1}
